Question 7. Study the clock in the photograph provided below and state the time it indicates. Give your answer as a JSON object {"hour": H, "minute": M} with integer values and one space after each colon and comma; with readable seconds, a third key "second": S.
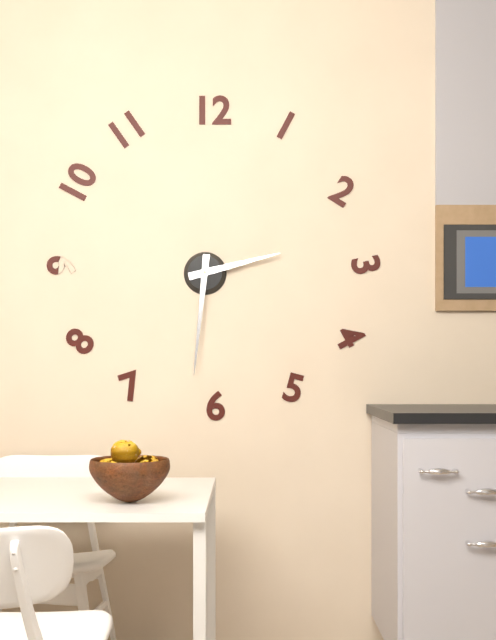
{"hour": 2, "minute": 31}
